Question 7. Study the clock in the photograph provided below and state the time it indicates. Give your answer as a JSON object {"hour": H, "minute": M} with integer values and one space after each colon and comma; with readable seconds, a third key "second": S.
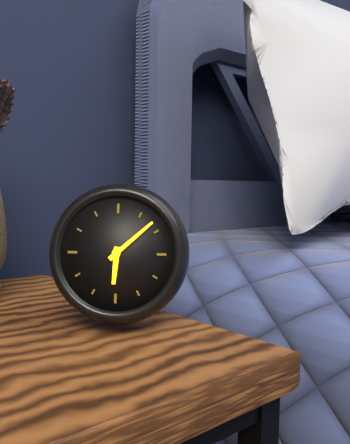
{"hour": 6, "minute": 8}
